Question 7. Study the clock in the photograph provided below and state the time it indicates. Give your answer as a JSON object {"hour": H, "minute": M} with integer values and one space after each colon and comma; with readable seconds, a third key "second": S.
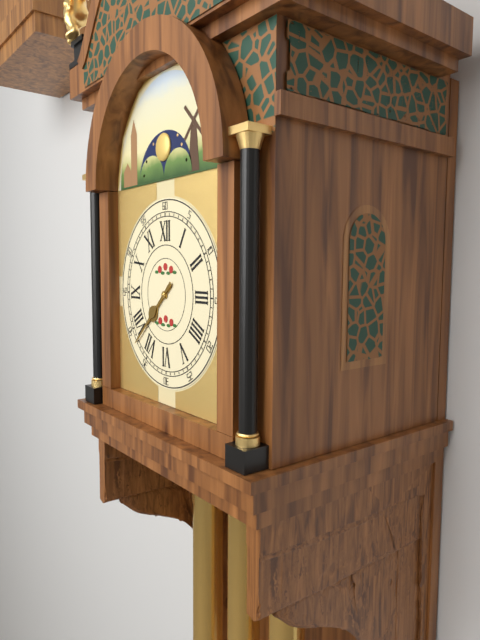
{"hour": 7, "minute": 38}
